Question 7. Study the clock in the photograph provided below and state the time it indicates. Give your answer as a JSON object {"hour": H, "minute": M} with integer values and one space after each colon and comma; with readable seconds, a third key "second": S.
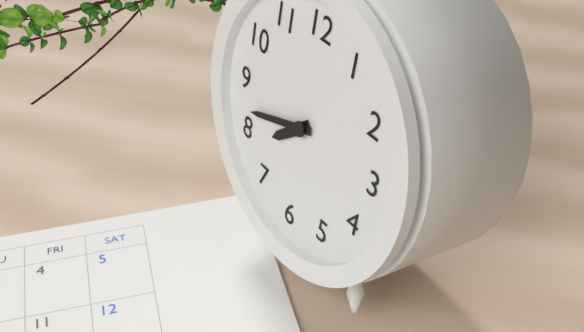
{"hour": 7, "minute": 42}
